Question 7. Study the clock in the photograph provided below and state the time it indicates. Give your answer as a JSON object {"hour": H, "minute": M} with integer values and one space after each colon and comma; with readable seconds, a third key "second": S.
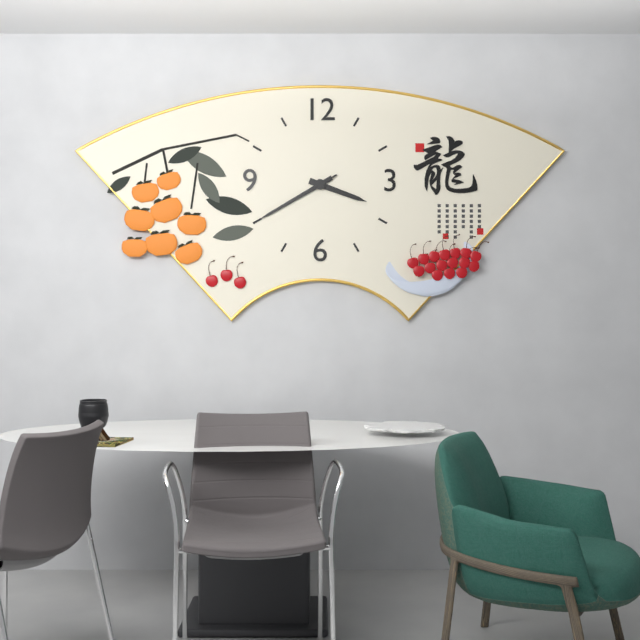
{"hour": 3, "minute": 40, "second": 40}
